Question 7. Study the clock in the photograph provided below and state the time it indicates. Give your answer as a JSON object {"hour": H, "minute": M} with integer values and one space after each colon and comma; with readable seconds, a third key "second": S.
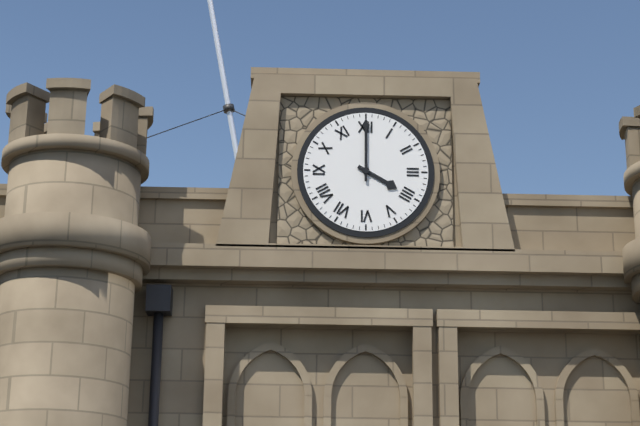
{"hour": 4, "minute": 0}
